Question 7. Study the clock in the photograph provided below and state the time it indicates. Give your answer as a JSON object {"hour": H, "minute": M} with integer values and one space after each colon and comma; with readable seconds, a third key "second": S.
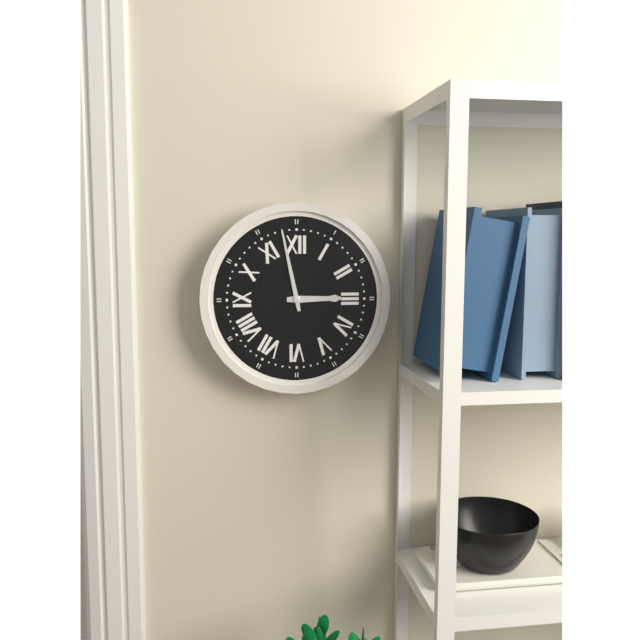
{"hour": 2, "minute": 58}
